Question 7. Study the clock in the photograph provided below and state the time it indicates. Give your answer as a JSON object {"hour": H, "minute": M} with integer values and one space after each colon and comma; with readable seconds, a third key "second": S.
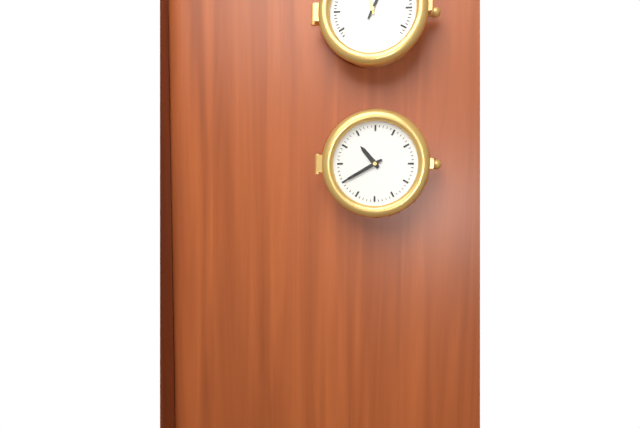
{"hour": 10, "minute": 40}
